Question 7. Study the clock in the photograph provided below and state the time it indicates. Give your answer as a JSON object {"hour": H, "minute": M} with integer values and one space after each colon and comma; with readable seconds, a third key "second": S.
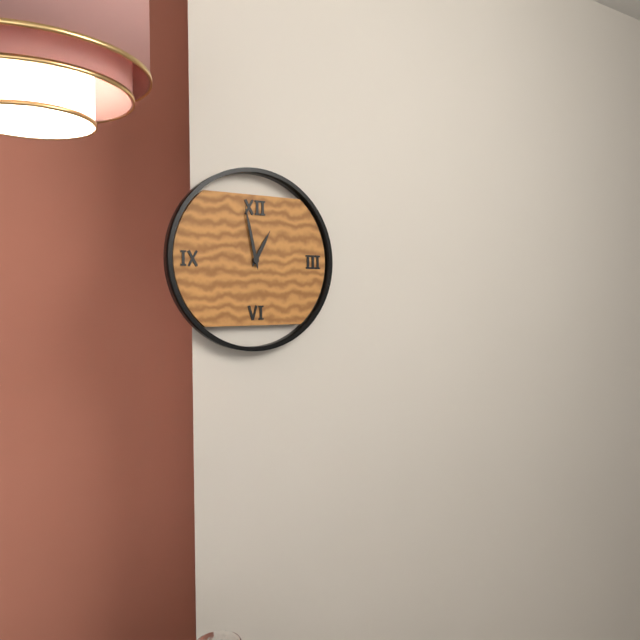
{"hour": 12, "minute": 58}
